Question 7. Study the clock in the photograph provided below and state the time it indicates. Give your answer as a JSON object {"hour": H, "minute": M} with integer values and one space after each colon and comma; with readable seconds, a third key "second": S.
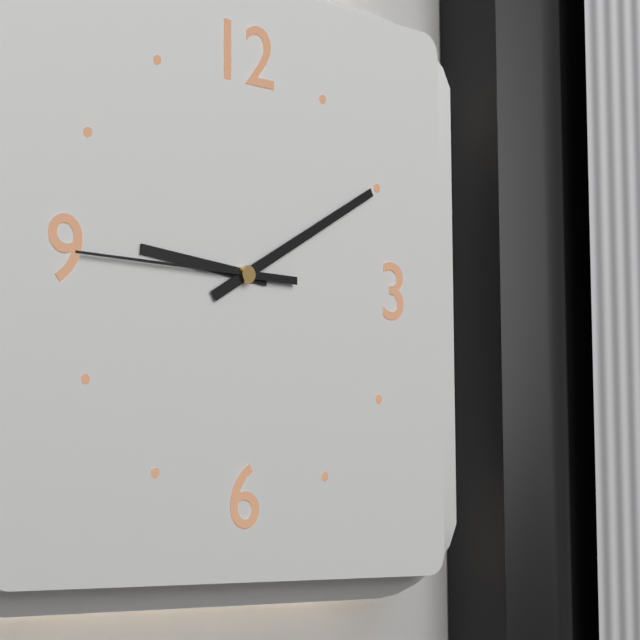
{"hour": 9, "minute": 10, "second": 45}
